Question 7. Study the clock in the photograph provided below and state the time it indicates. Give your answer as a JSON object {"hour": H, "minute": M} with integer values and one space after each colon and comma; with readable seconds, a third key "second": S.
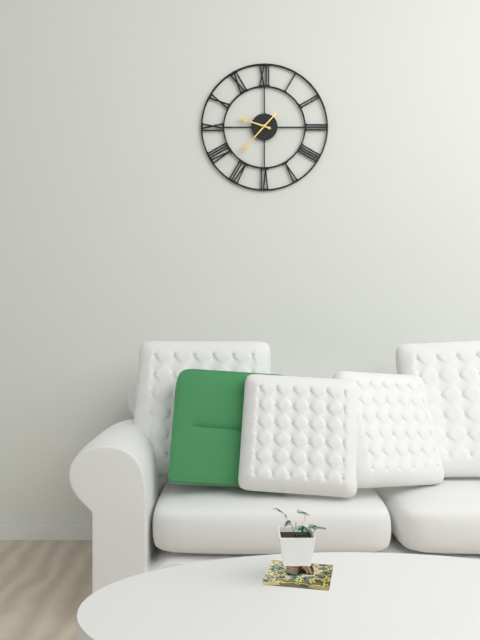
{"hour": 9, "minute": 37}
